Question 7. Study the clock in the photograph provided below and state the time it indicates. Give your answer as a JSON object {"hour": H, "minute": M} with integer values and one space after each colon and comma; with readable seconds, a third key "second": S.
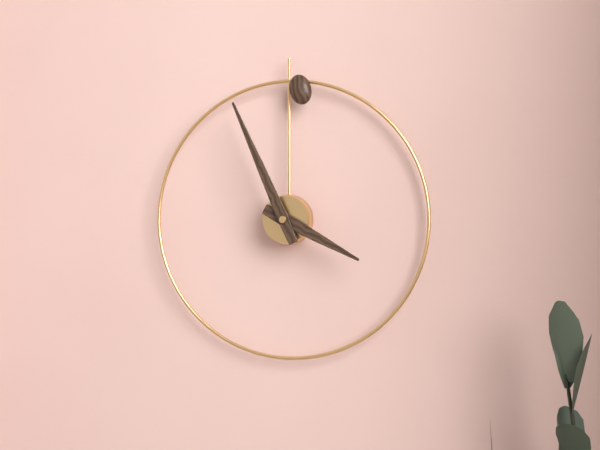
{"hour": 3, "minute": 56}
